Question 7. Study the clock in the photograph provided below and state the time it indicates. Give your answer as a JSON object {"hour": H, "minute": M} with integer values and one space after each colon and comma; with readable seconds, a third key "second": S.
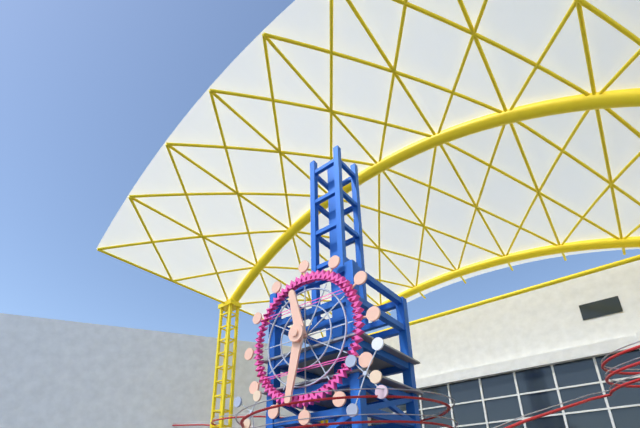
{"hour": 11, "minute": 32}
